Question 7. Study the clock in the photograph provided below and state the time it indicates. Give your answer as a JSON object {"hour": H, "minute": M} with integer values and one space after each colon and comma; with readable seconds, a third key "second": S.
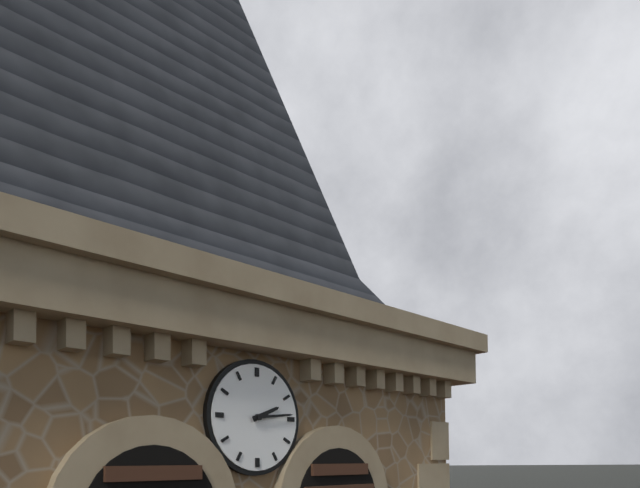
{"hour": 2, "minute": 14}
